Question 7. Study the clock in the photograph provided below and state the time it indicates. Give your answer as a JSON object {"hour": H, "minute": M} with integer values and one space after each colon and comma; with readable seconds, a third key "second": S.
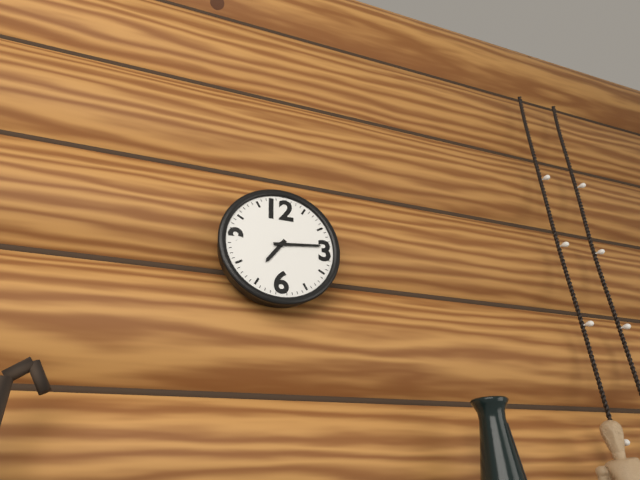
{"hour": 7, "minute": 14}
